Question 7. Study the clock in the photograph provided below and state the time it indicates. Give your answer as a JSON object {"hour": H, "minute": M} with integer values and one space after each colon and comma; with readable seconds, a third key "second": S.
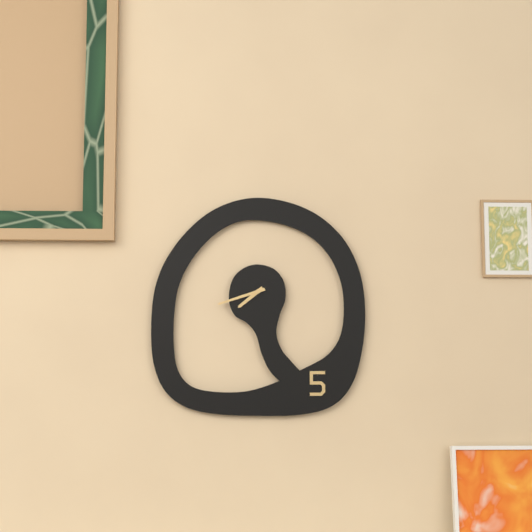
{"hour": 7, "minute": 42}
